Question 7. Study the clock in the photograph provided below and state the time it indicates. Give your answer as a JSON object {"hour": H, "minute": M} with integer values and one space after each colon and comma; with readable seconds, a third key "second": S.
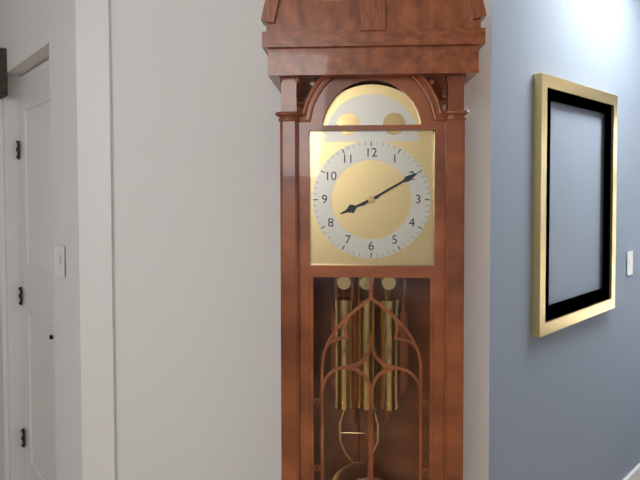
{"hour": 8, "minute": 10}
